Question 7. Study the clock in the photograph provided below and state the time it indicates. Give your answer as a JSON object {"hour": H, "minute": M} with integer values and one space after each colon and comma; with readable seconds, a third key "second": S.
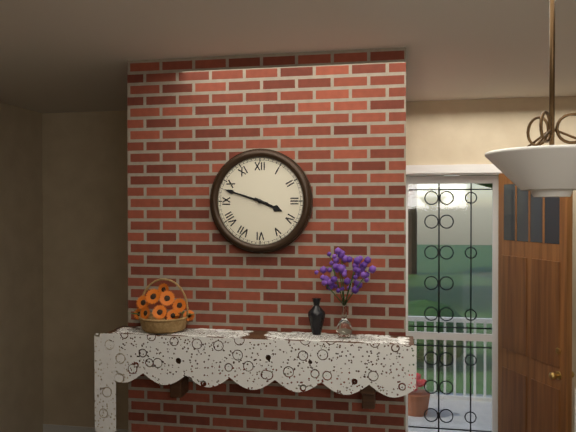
{"hour": 3, "minute": 48}
